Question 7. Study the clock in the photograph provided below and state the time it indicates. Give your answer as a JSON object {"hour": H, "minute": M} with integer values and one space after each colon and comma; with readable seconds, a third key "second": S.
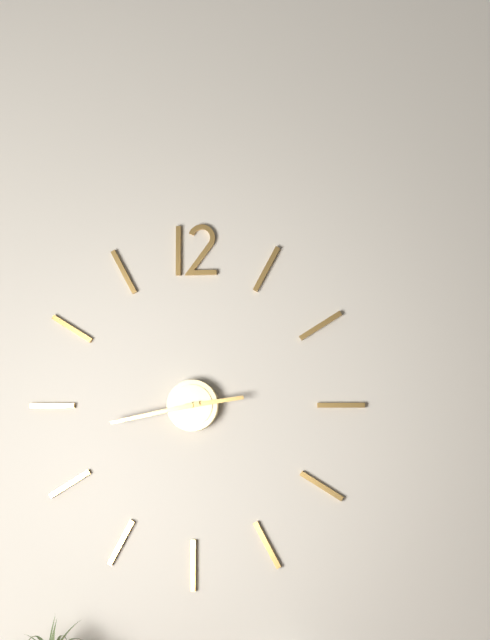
{"hour": 2, "minute": 43}
